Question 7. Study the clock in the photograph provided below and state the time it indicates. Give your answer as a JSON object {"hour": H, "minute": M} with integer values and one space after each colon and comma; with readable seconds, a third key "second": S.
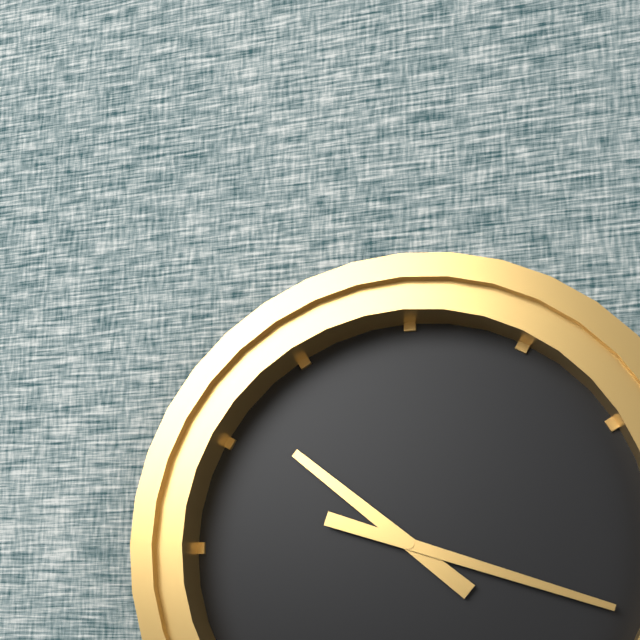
{"hour": 10, "minute": 18}
